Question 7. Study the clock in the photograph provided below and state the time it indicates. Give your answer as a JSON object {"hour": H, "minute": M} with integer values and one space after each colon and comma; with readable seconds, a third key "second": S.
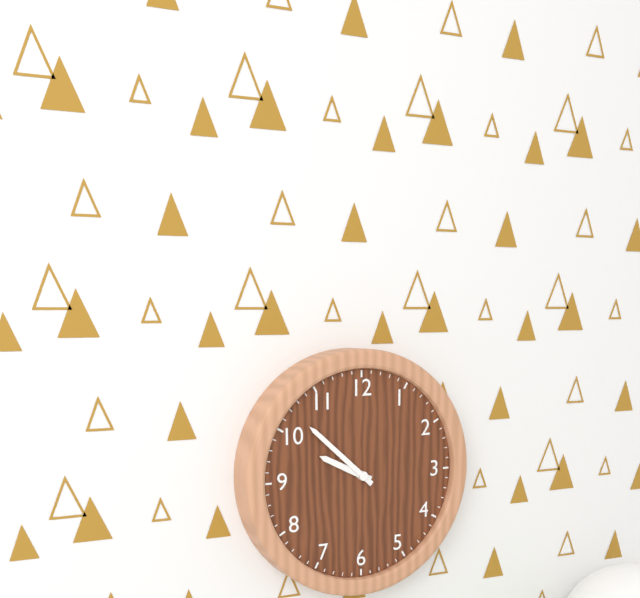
{"hour": 9, "minute": 52}
